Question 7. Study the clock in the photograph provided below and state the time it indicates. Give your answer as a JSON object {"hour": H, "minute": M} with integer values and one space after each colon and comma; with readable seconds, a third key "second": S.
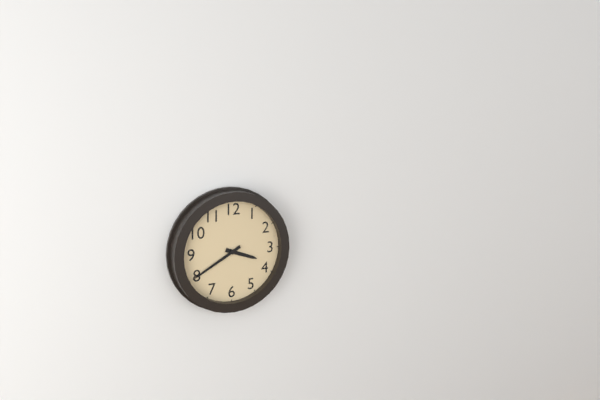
{"hour": 3, "minute": 40}
